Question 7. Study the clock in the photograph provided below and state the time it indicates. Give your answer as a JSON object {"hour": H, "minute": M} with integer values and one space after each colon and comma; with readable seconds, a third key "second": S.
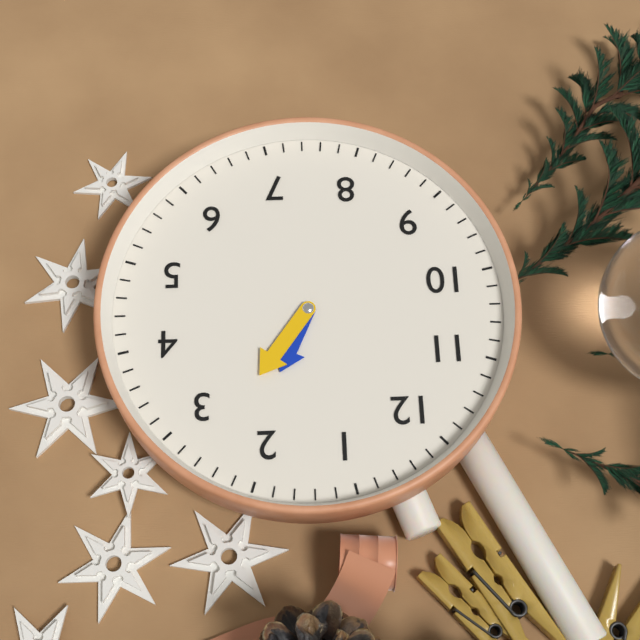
{"hour": 2, "minute": 13}
